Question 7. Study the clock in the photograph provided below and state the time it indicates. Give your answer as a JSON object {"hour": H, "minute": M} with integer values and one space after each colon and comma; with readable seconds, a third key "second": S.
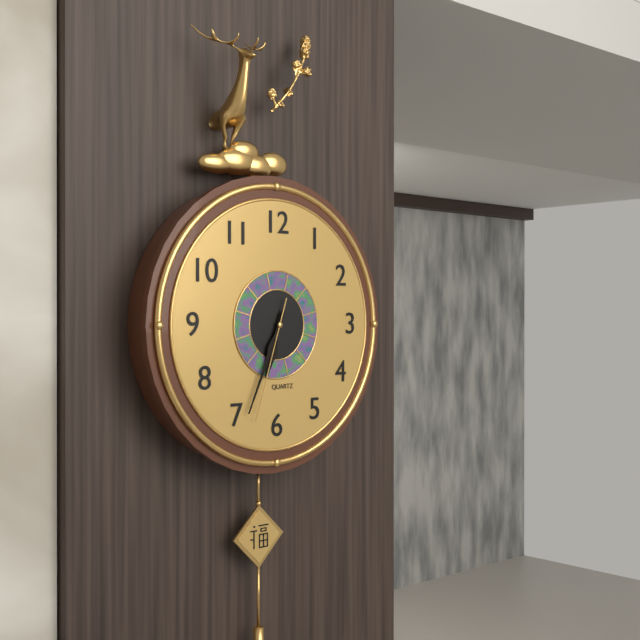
{"hour": 6, "minute": 34, "second": 33}
